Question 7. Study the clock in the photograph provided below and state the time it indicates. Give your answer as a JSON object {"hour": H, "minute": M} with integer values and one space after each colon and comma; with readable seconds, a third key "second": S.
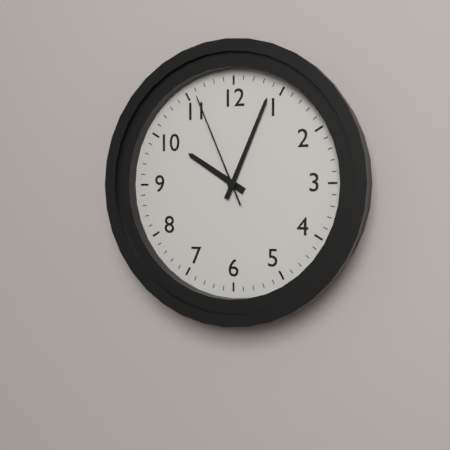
{"hour": 10, "minute": 4, "second": 56}
